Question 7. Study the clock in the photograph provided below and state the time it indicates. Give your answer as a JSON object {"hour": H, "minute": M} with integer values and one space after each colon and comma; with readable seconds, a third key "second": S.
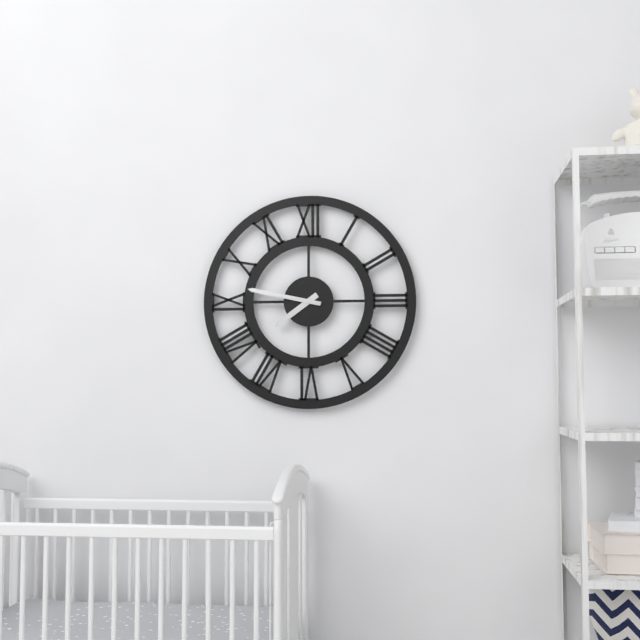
{"hour": 7, "minute": 47}
